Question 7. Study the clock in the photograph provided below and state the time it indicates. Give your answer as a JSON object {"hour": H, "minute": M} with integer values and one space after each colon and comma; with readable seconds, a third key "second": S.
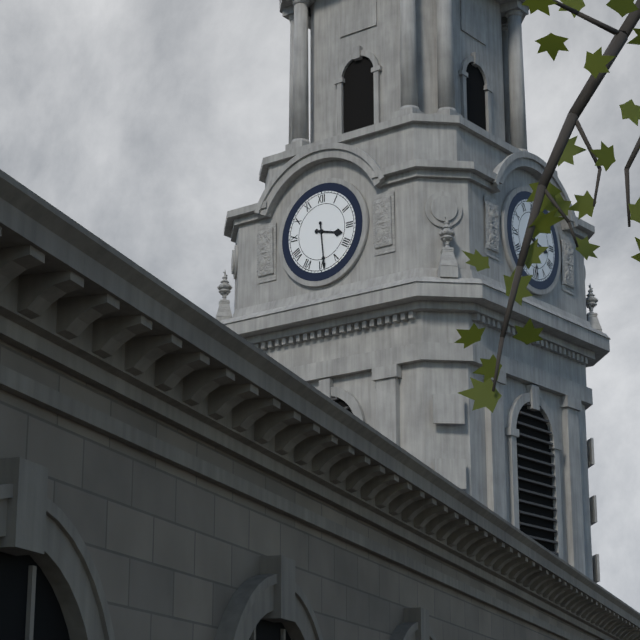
{"hour": 3, "minute": 29}
